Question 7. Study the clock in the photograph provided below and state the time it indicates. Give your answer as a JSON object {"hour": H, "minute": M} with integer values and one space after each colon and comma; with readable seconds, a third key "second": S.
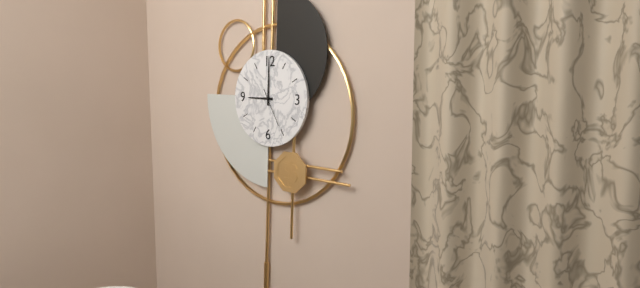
{"hour": 9, "minute": 0}
